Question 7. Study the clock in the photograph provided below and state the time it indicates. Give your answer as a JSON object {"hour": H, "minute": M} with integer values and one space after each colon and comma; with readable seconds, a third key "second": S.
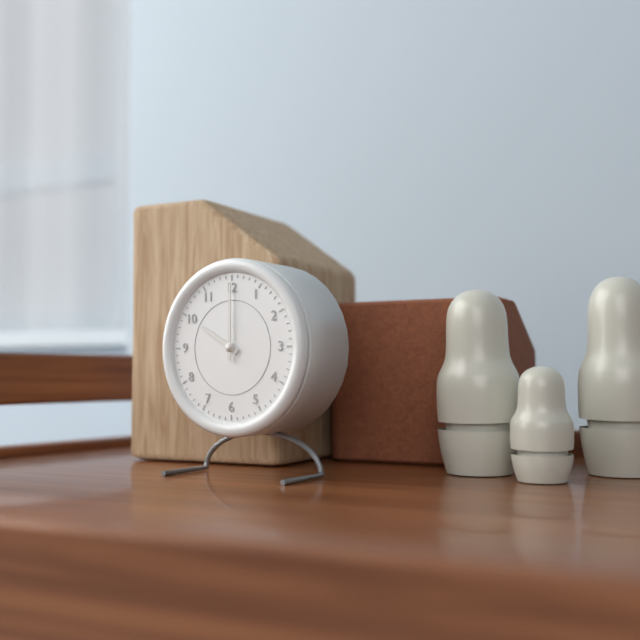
{"hour": 10, "minute": 0}
